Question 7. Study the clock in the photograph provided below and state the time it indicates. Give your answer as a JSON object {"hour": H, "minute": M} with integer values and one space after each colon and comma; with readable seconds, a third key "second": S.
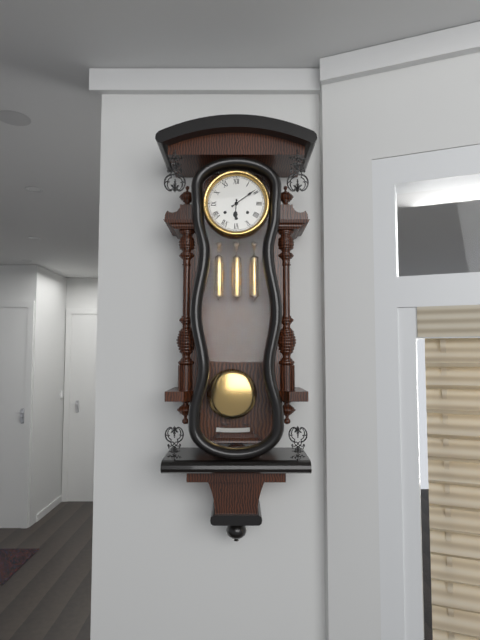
{"hour": 6, "minute": 9}
